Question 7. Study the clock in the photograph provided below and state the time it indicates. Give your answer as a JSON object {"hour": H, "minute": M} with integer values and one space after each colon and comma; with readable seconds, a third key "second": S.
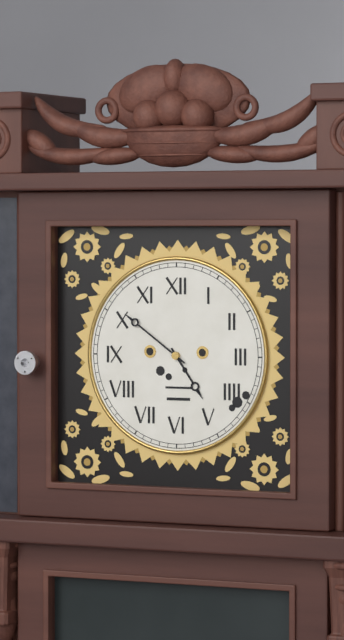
{"hour": 4, "minute": 51}
